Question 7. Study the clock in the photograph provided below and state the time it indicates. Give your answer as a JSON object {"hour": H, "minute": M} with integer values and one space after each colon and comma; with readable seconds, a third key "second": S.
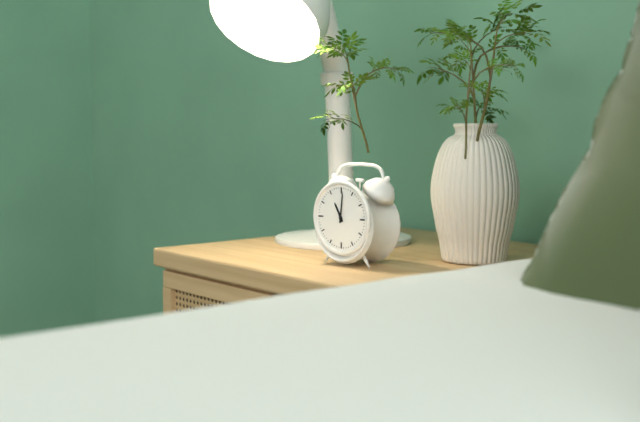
{"hour": 11, "minute": 1}
